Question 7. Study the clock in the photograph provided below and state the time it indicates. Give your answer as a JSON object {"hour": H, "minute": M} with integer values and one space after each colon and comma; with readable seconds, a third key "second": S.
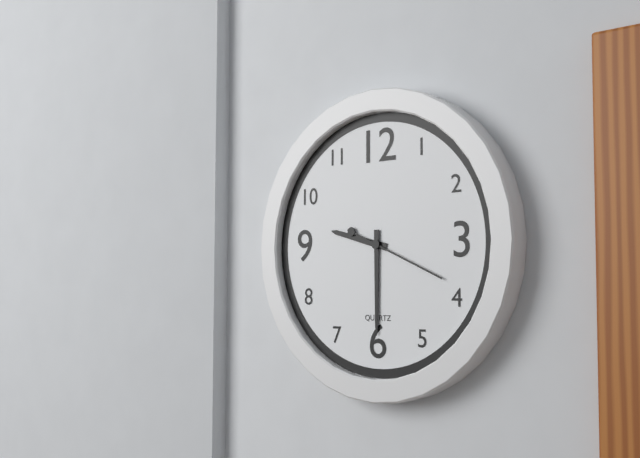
{"hour": 9, "minute": 30, "second": 19}
